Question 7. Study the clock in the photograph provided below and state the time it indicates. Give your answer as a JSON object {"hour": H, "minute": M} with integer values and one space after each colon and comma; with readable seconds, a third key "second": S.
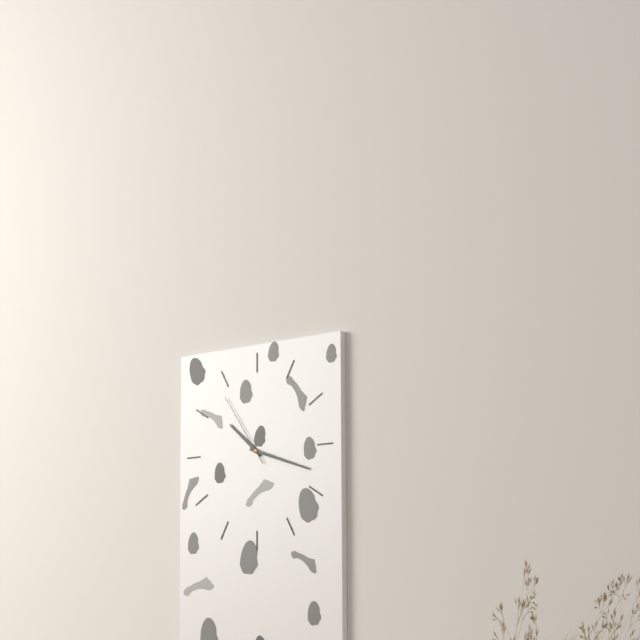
{"hour": 10, "minute": 18, "second": 54}
